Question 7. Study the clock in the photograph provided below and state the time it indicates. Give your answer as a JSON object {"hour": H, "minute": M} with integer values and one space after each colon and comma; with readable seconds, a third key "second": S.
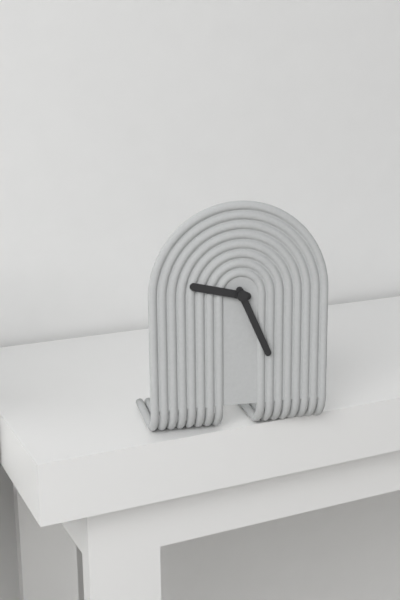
{"hour": 9, "minute": 26}
